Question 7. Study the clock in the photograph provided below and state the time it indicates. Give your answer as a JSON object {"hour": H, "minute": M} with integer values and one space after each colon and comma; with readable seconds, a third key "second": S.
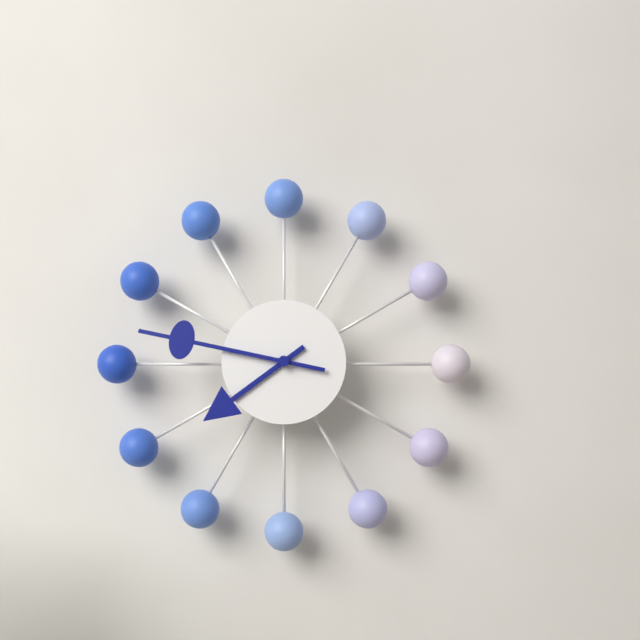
{"hour": 7, "minute": 47}
